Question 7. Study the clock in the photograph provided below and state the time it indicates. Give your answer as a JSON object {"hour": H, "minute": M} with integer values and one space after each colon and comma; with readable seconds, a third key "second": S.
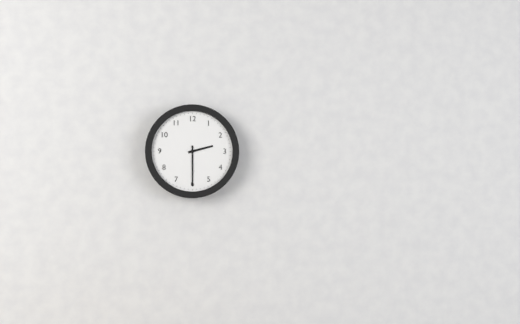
{"hour": 2, "minute": 30}
